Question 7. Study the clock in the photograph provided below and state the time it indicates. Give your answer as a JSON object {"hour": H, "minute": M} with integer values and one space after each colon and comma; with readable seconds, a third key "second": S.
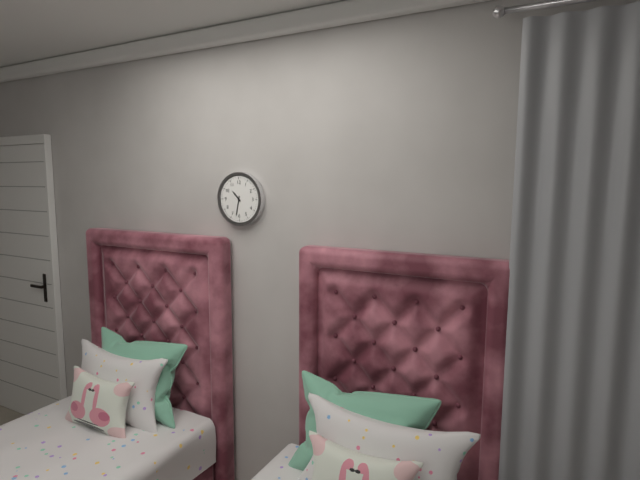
{"hour": 10, "minute": 32}
